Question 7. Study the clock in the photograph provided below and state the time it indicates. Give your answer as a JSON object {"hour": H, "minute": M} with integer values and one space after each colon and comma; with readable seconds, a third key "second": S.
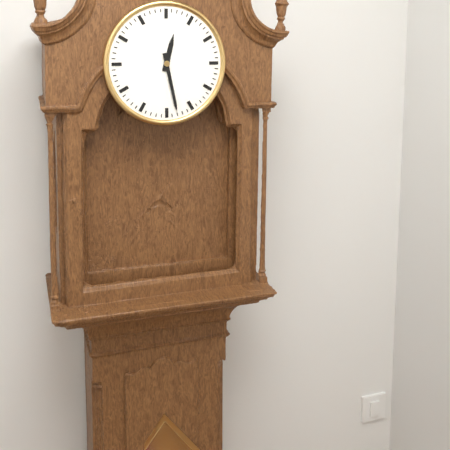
{"hour": 12, "minute": 28}
